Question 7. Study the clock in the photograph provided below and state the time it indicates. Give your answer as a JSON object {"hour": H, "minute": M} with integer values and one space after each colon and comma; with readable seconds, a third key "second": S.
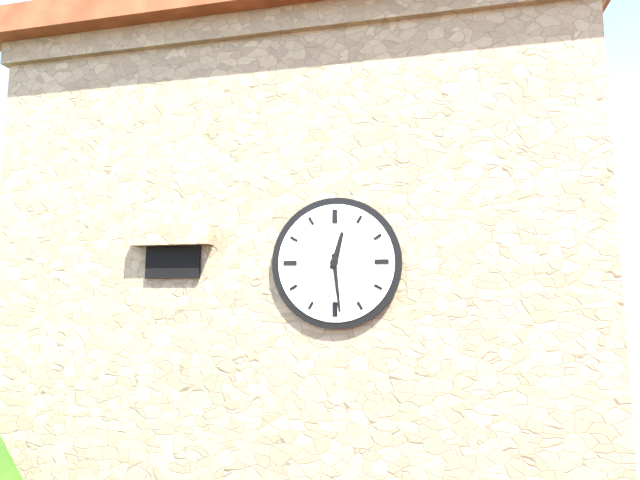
{"hour": 12, "minute": 29}
